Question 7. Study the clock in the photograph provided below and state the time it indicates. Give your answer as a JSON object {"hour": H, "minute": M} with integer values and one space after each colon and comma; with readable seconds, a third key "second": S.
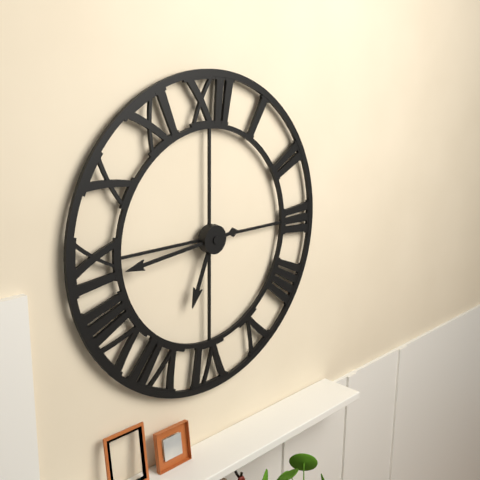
{"hour": 6, "minute": 44}
